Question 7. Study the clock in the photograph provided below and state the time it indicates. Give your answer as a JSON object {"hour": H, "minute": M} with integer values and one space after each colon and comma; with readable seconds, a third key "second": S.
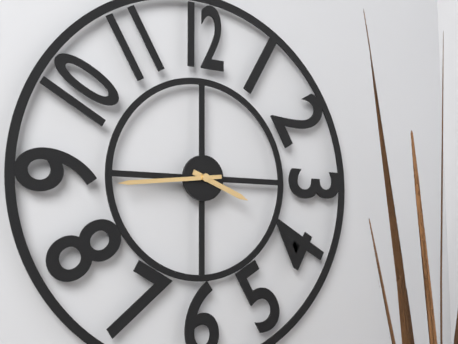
{"hour": 3, "minute": 44}
